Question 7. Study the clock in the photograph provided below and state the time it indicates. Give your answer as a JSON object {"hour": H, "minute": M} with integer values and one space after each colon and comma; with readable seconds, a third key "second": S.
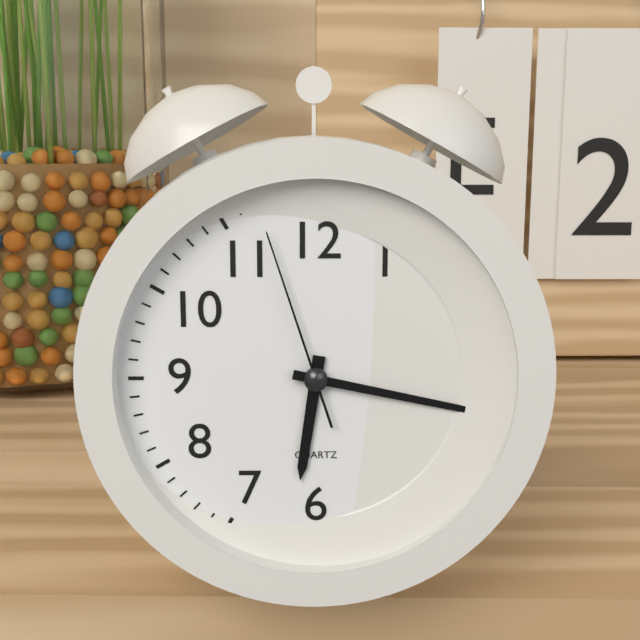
{"hour": 6, "minute": 17, "second": 57}
